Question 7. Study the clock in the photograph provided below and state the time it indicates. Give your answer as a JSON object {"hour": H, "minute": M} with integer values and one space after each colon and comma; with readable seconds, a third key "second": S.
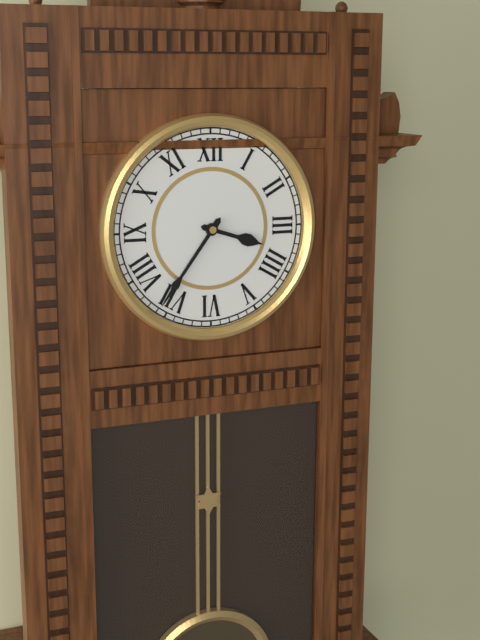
{"hour": 3, "minute": 36}
